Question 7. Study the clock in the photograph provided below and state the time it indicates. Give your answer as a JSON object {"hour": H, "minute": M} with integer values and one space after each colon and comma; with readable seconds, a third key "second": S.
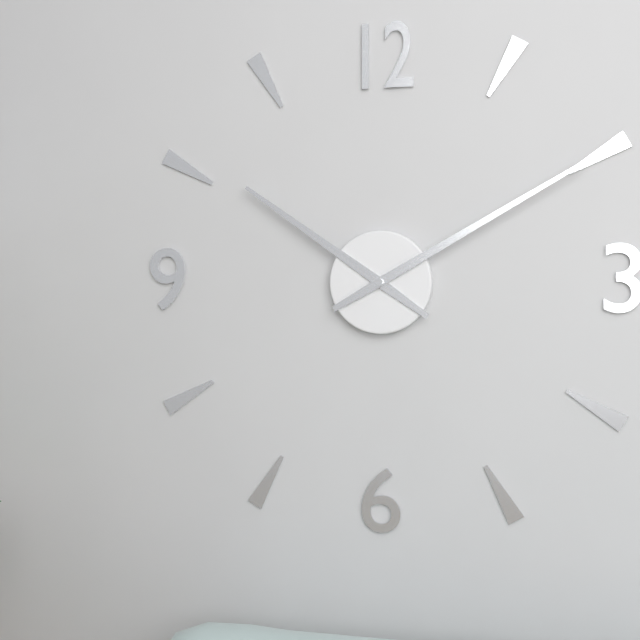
{"hour": 10, "minute": 10}
